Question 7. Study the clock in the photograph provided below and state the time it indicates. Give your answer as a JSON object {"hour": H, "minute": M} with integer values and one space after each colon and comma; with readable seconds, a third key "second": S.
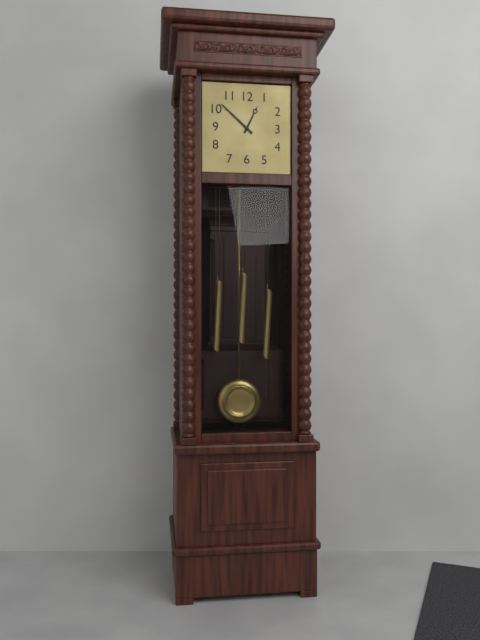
{"hour": 12, "minute": 52}
